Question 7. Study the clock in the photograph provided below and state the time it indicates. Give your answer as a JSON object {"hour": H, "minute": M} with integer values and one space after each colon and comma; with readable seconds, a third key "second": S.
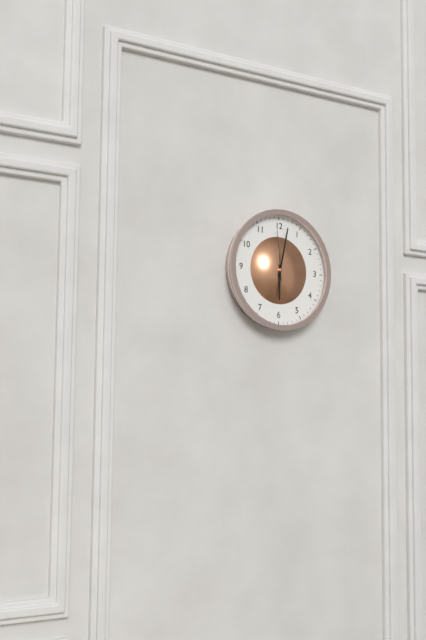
{"hour": 6, "minute": 2, "second": 59}
